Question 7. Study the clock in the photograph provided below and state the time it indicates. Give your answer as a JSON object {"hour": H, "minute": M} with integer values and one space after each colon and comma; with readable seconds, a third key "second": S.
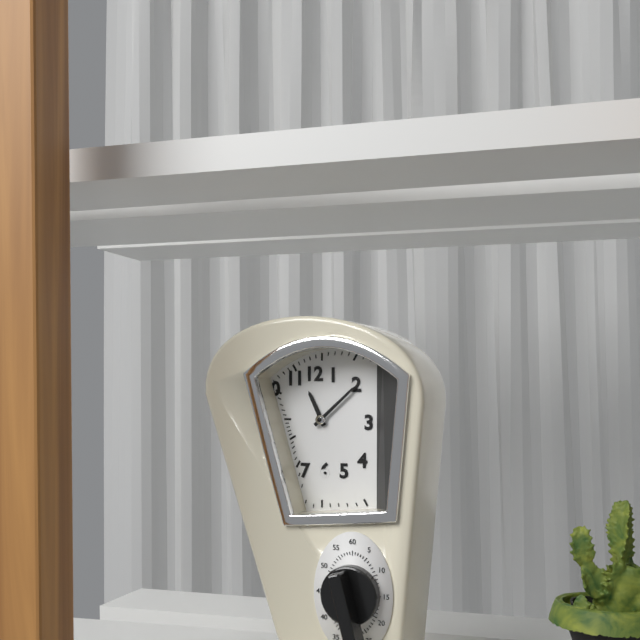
{"hour": 11, "minute": 8}
